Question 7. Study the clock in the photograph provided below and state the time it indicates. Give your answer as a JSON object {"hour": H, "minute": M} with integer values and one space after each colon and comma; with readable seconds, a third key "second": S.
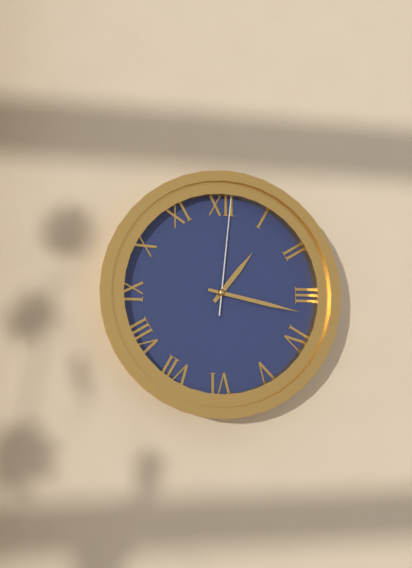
{"hour": 1, "minute": 17, "second": 1}
